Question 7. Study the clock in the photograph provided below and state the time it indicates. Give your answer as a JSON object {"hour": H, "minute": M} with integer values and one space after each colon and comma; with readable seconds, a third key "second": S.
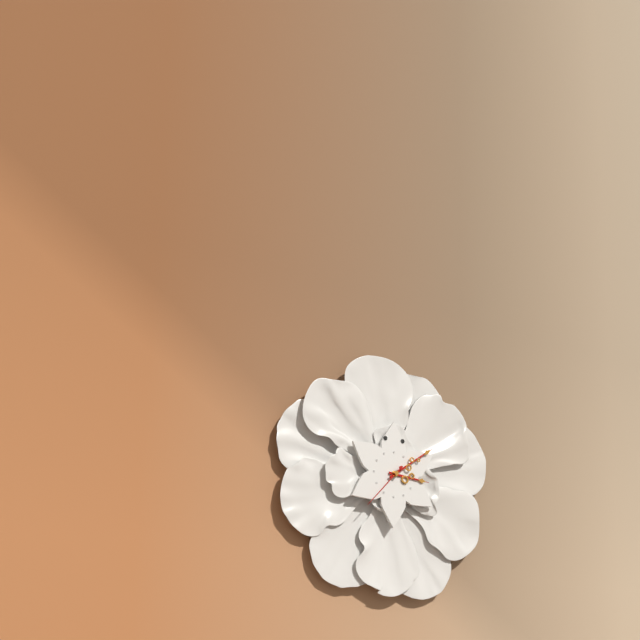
{"hour": 3, "minute": 9, "second": 37}
